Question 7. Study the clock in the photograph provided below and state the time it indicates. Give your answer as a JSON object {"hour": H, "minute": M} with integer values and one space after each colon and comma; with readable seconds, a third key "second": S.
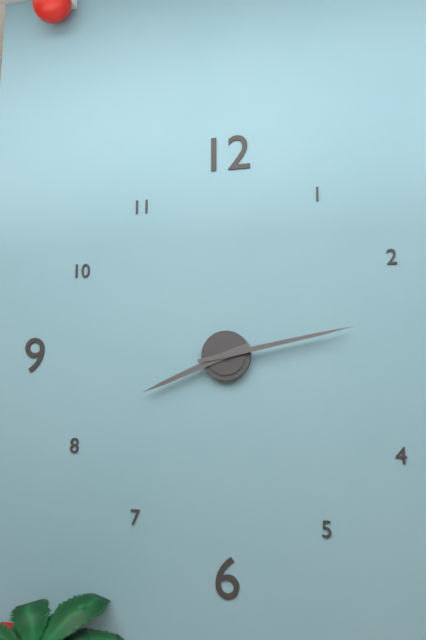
{"hour": 8, "minute": 13}
